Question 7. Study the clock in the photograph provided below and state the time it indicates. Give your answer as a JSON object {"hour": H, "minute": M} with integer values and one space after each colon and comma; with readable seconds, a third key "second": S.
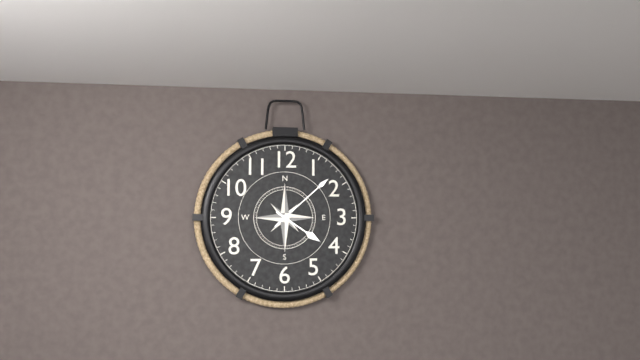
{"hour": 4, "minute": 8}
